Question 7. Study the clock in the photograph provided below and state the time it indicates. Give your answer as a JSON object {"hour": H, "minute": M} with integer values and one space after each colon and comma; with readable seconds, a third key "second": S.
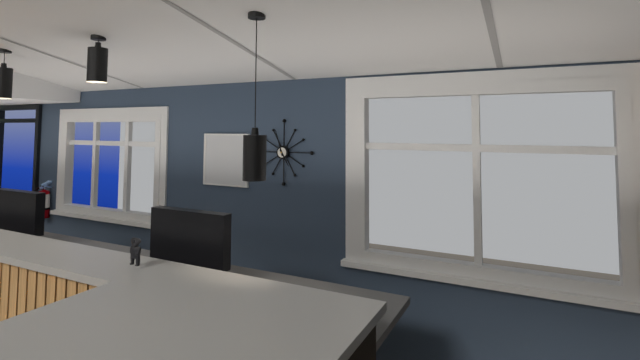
{"hour": 4, "minute": 57}
